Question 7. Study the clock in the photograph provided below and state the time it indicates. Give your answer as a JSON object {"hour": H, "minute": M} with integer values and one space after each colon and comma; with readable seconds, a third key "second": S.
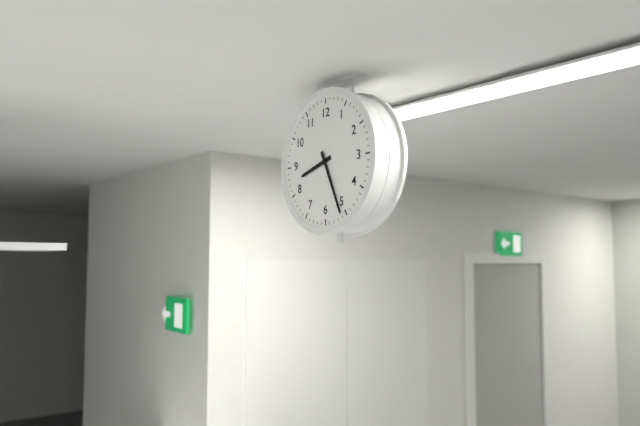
{"hour": 8, "minute": 26}
